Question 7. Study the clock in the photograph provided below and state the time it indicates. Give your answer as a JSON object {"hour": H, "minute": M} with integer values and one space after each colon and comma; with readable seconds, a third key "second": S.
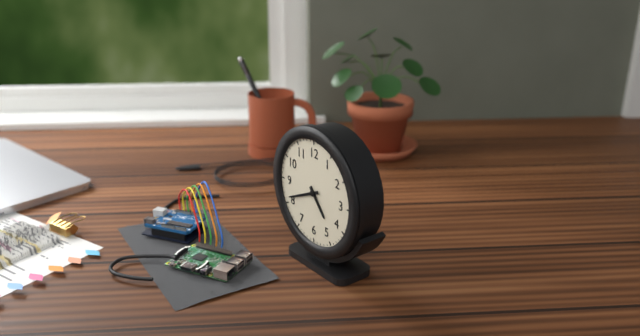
{"hour": 4, "minute": 41}
